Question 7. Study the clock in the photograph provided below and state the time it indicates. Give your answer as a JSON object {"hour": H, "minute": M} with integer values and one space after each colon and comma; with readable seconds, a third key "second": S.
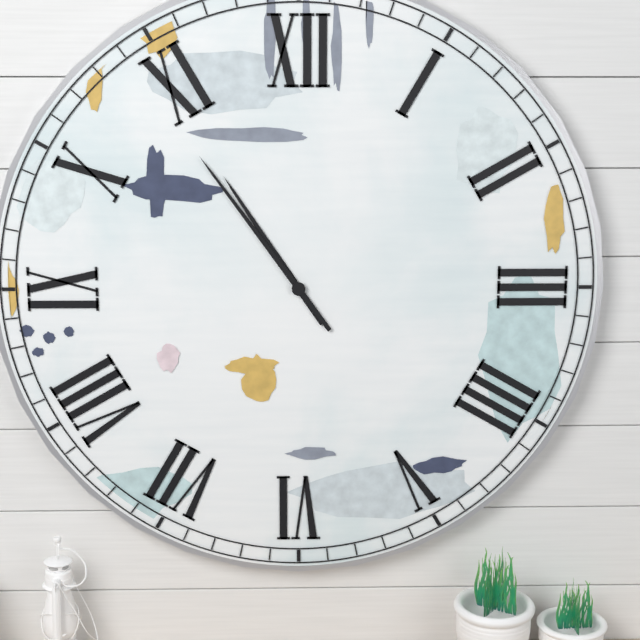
{"hour": 10, "minute": 54}
